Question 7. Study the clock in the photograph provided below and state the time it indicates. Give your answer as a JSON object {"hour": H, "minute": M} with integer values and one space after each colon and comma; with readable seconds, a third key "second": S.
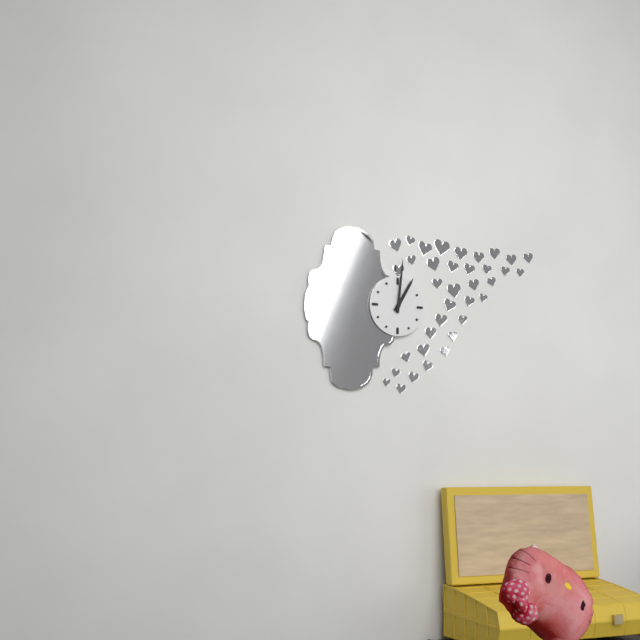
{"hour": 1, "minute": 1}
